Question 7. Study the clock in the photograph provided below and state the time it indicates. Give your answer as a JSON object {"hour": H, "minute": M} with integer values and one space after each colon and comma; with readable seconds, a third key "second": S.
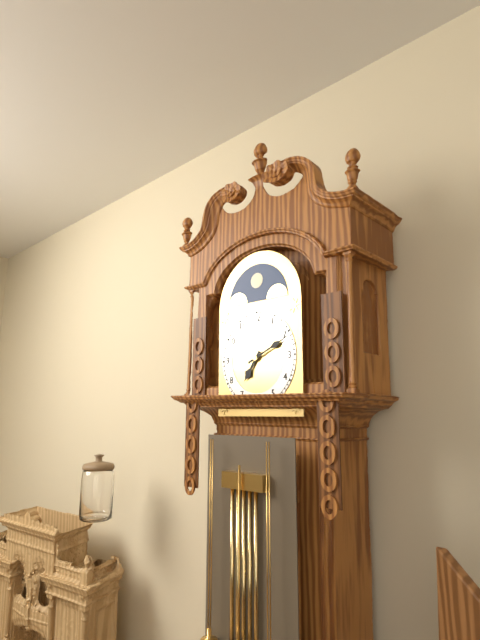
{"hour": 7, "minute": 11}
